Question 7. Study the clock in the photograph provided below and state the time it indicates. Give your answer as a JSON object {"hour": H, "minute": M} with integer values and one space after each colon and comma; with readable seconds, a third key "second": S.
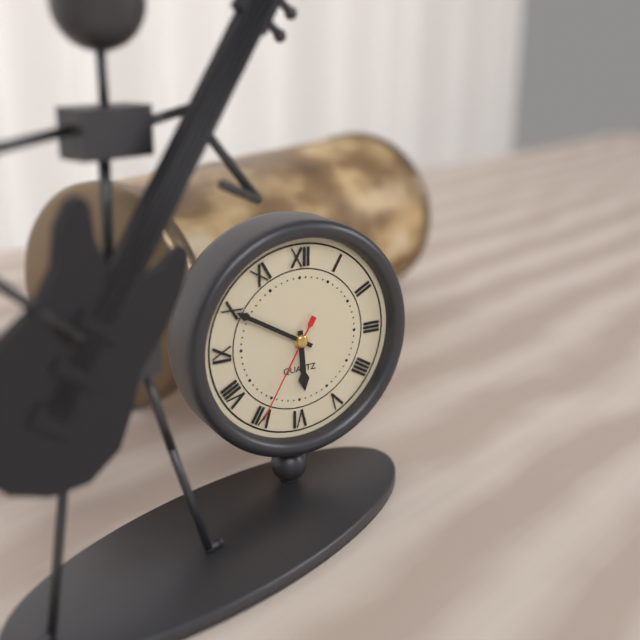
{"hour": 5, "minute": 50, "second": 35}
